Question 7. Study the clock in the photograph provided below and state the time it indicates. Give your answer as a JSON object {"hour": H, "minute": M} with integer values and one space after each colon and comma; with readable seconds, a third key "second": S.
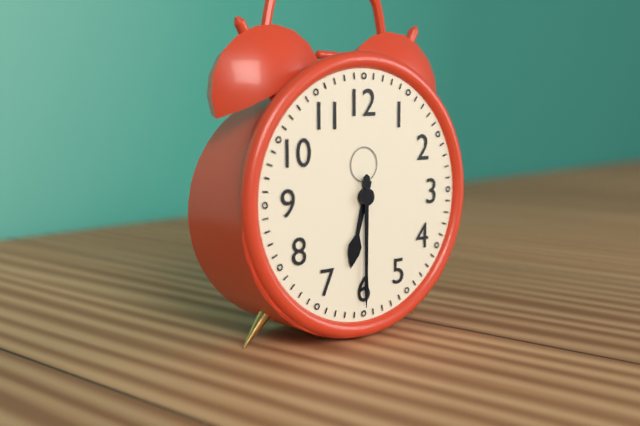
{"hour": 6, "minute": 30}
